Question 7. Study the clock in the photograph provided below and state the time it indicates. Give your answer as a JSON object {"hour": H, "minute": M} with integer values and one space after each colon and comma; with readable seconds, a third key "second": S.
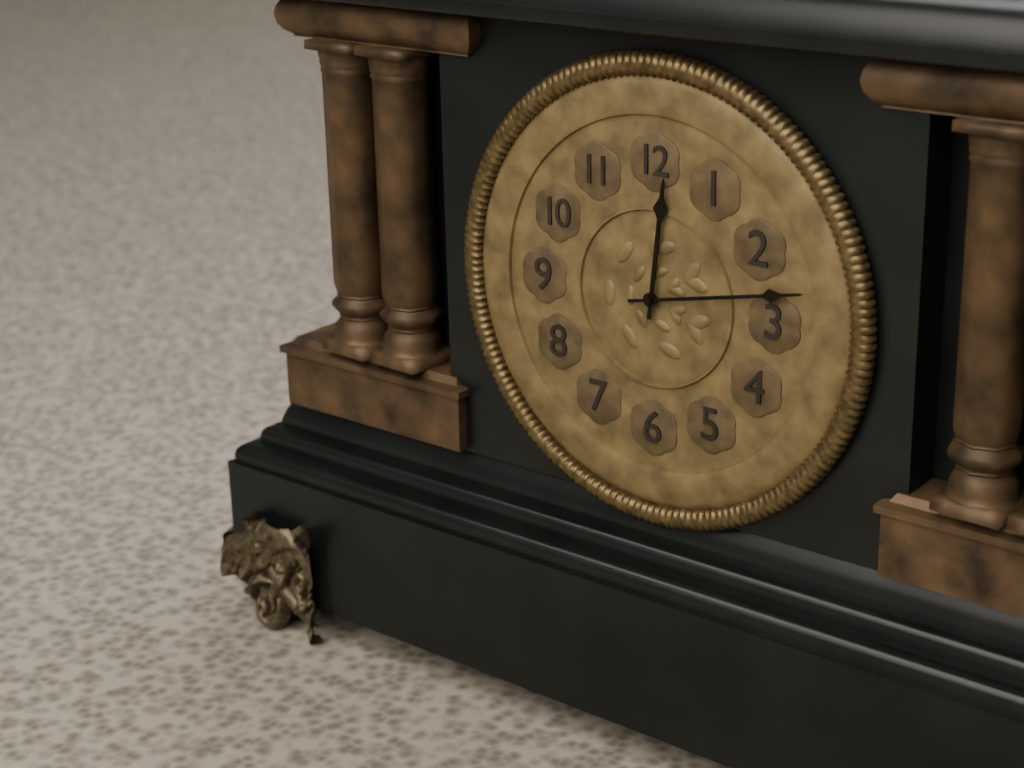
{"hour": 12, "minute": 13}
